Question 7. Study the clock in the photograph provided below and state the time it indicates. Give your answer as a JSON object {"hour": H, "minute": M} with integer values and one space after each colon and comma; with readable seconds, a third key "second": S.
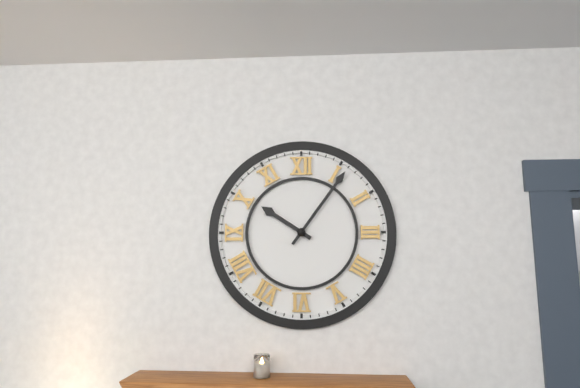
{"hour": 10, "minute": 6}
